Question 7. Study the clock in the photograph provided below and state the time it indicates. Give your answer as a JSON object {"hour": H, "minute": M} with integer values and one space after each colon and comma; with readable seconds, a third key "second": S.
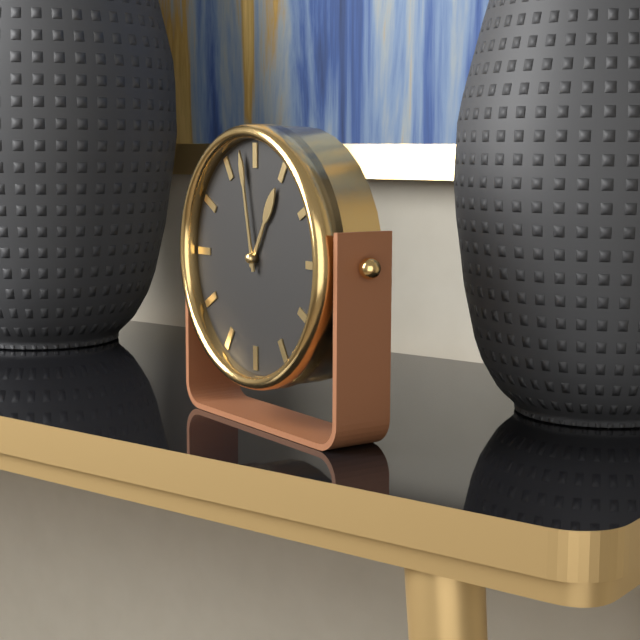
{"hour": 12, "minute": 58}
